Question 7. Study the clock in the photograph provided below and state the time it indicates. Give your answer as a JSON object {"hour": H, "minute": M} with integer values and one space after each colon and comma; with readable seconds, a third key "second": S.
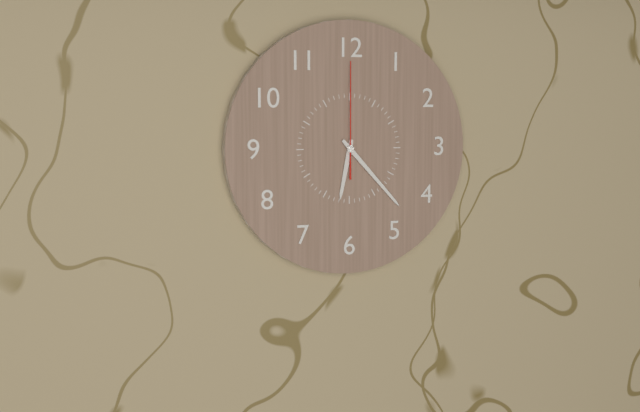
{"hour": 6, "minute": 23, "second": 0}
